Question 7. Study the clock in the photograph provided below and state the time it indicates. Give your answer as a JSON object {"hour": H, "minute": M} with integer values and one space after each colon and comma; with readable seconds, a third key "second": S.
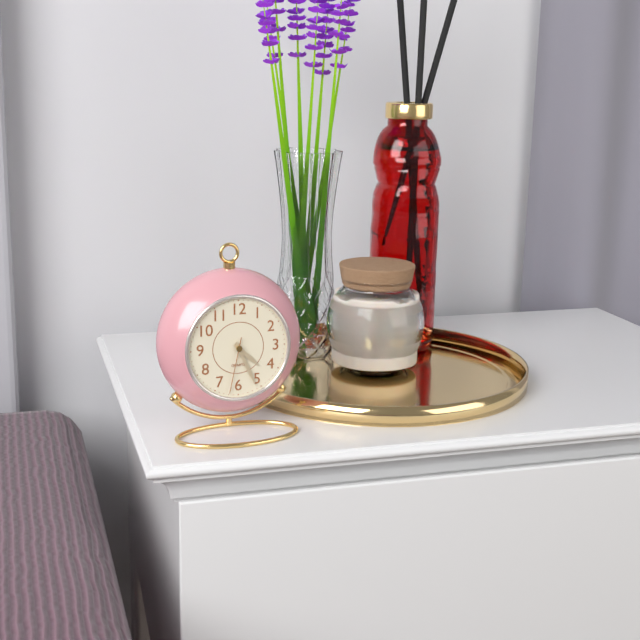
{"hour": 4, "minute": 26, "second": 32}
